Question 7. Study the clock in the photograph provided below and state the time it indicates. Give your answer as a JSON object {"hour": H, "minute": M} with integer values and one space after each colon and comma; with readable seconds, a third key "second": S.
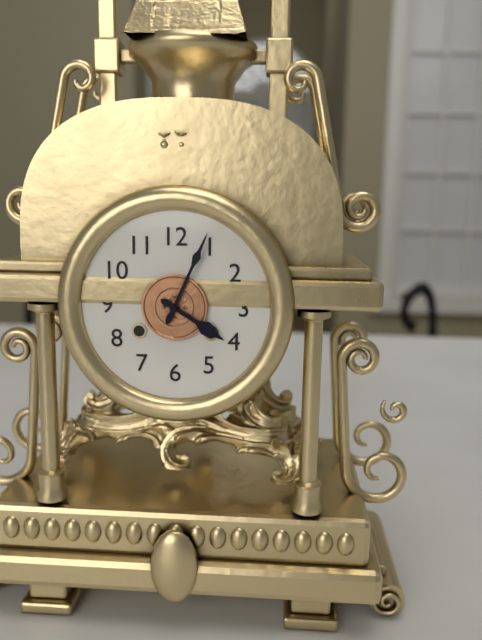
{"hour": 4, "minute": 4}
